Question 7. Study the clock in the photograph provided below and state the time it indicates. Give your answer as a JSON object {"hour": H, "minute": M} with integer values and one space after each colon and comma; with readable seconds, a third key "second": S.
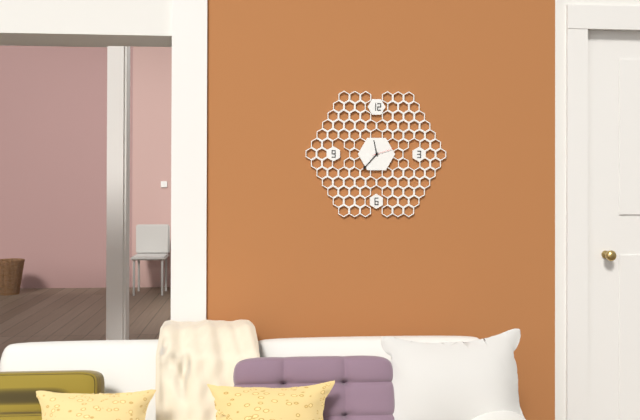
{"hour": 11, "minute": 37}
